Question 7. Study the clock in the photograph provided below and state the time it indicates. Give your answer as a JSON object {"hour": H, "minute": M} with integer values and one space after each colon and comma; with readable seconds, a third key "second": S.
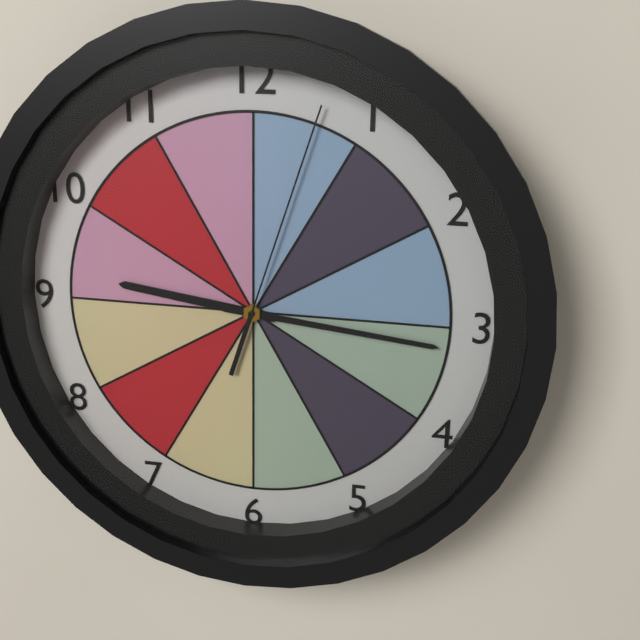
{"hour": 9, "minute": 16, "second": 3}
